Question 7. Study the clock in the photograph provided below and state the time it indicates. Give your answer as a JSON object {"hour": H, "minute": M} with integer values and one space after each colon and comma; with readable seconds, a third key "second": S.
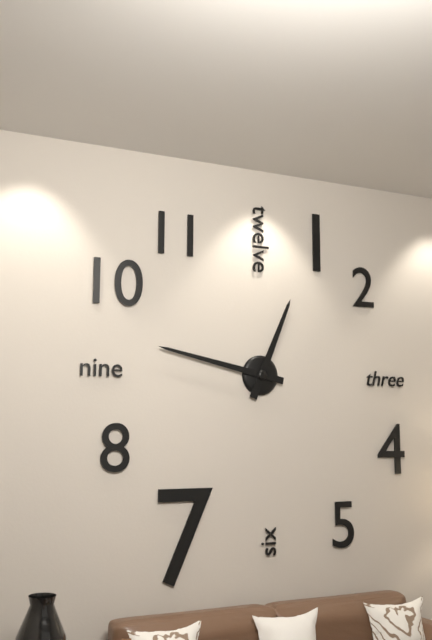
{"hour": 12, "minute": 47}
